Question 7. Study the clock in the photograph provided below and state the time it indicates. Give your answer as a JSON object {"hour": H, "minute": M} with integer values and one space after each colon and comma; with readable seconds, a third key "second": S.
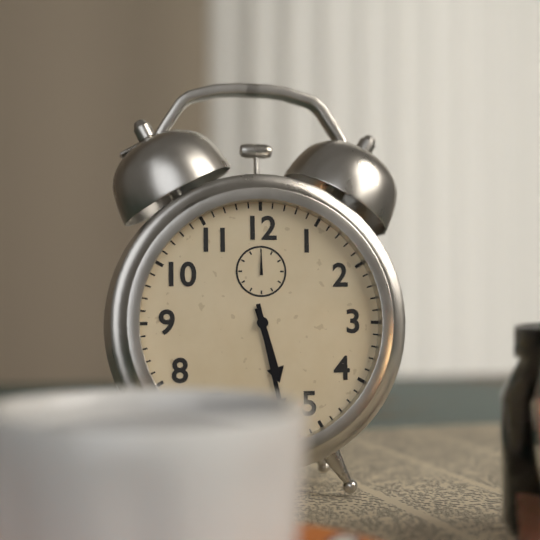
{"hour": 5, "minute": 28}
